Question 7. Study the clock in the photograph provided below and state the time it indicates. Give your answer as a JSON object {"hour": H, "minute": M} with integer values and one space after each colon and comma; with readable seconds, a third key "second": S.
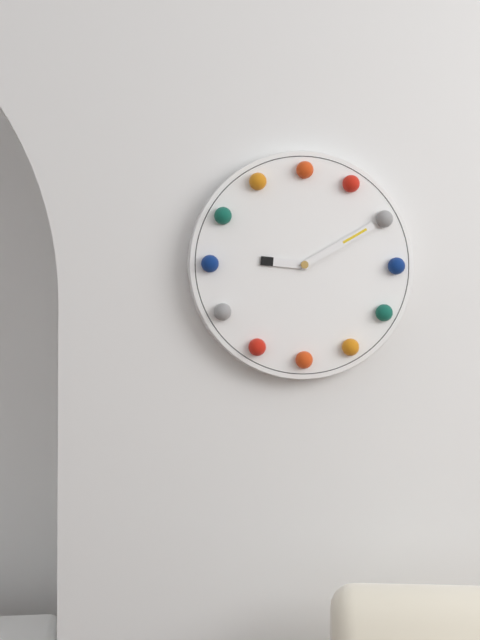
{"hour": 9, "minute": 10}
